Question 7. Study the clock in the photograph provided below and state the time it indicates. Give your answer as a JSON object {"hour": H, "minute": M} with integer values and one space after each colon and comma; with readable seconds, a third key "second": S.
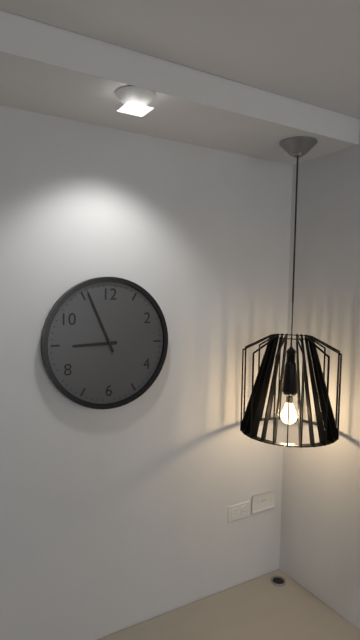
{"hour": 8, "minute": 56}
